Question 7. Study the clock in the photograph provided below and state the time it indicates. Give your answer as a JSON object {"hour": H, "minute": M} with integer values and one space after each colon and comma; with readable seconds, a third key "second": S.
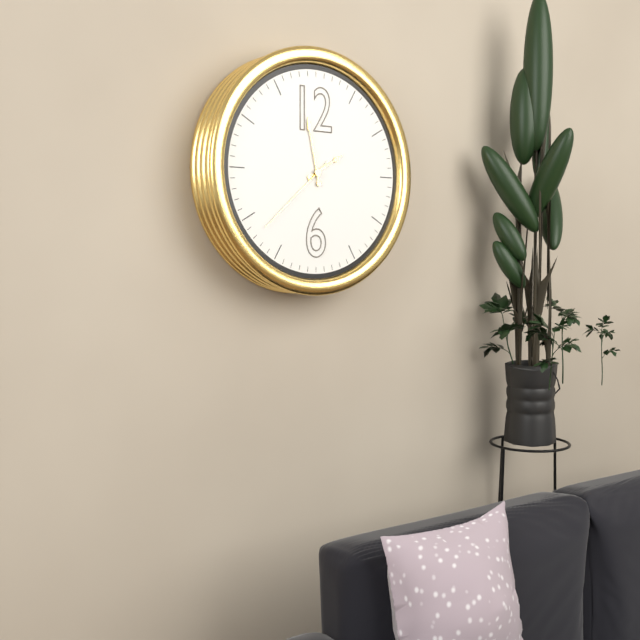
{"hour": 1, "minute": 58, "second": 38}
